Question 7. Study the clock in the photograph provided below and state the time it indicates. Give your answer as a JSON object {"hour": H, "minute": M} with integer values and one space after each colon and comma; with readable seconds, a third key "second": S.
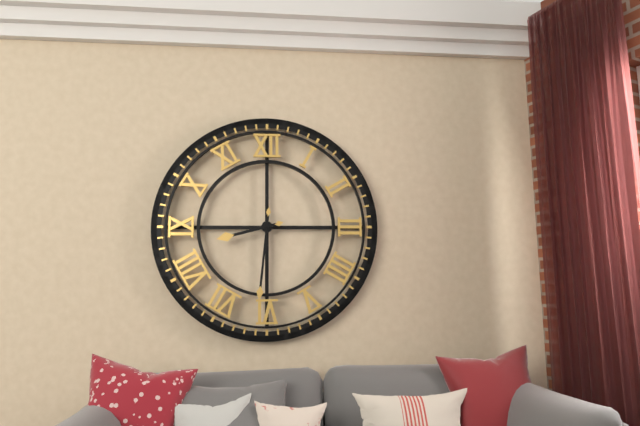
{"hour": 8, "minute": 31}
